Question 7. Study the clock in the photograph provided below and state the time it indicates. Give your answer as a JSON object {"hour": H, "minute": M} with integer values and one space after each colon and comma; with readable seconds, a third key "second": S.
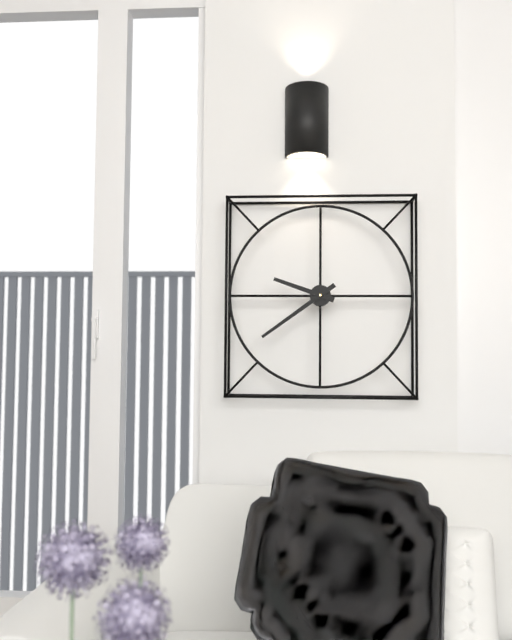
{"hour": 9, "minute": 39}
